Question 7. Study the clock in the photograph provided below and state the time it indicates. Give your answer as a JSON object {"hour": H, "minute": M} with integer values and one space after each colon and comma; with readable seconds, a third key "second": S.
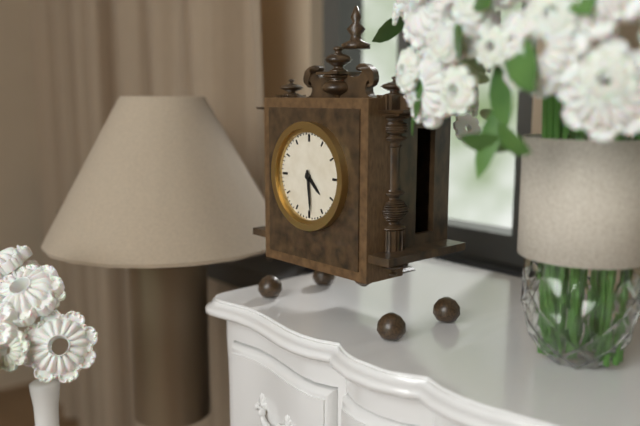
{"hour": 4, "minute": 29}
